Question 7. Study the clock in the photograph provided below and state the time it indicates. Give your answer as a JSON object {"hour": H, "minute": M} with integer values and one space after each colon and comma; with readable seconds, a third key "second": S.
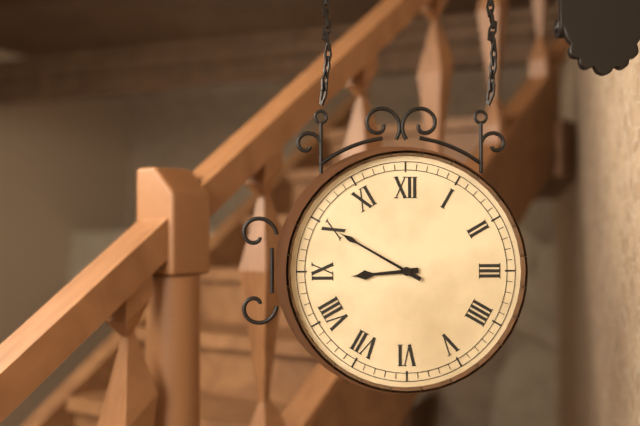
{"hour": 8, "minute": 50}
